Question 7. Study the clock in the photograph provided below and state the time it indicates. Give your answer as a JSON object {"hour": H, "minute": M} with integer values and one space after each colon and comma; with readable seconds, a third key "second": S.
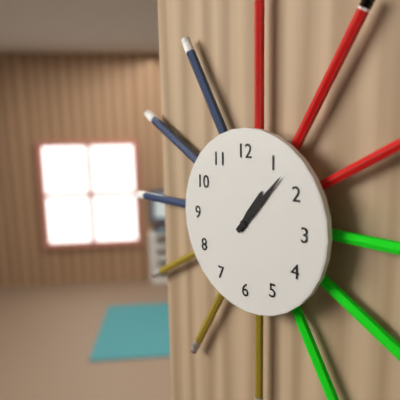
{"hour": 1, "minute": 7}
